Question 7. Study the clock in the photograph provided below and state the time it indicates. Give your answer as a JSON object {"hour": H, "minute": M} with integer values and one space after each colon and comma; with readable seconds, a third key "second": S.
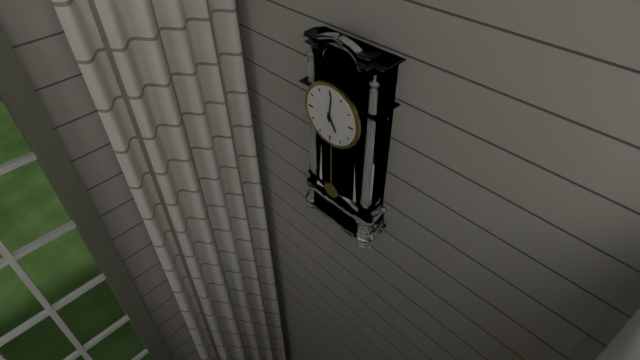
{"hour": 5, "minute": 1}
